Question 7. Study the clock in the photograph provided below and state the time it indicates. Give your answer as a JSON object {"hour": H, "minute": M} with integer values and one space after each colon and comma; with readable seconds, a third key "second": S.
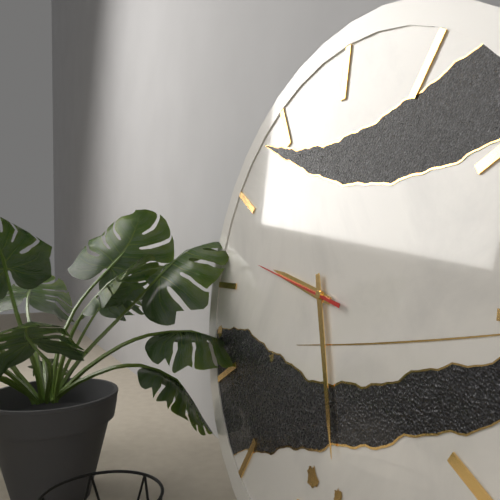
{"hour": 9, "minute": 27, "second": 47}
